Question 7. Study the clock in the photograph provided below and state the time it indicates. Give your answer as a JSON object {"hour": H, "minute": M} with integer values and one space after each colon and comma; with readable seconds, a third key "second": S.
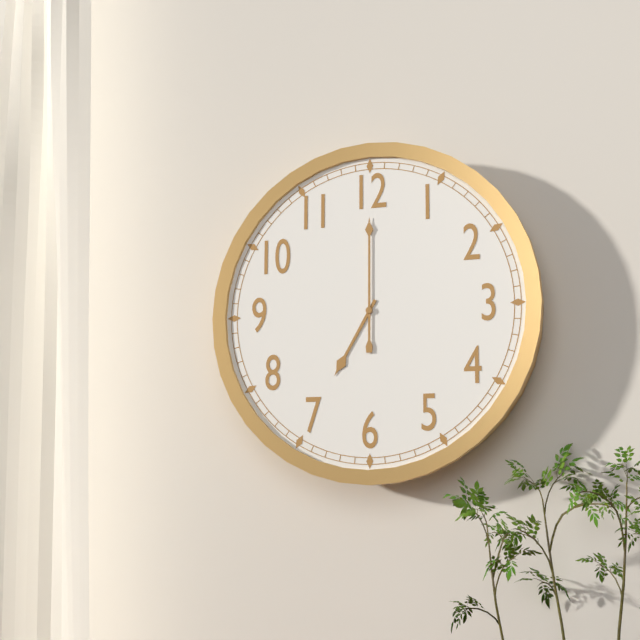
{"hour": 7, "minute": 0}
